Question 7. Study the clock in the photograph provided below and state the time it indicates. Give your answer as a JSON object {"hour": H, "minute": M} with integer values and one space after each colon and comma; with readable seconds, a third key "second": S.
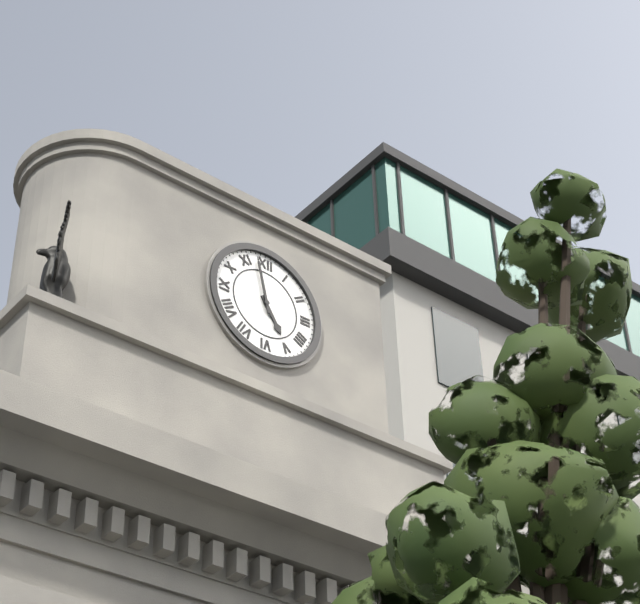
{"hour": 4, "minute": 58}
